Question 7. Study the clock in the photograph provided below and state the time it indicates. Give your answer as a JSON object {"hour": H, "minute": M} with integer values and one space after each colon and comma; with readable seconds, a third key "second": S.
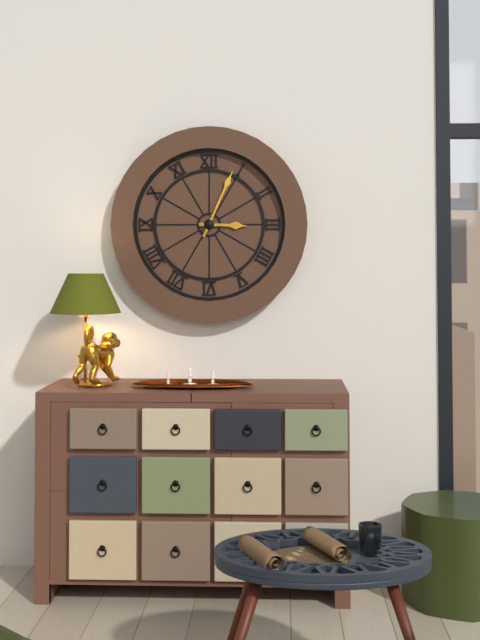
{"hour": 3, "minute": 4}
